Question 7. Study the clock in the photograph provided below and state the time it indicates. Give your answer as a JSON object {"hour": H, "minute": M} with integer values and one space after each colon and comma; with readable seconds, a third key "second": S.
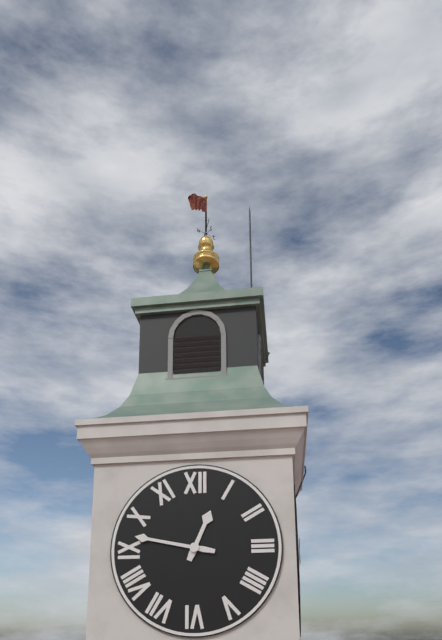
{"hour": 12, "minute": 47}
